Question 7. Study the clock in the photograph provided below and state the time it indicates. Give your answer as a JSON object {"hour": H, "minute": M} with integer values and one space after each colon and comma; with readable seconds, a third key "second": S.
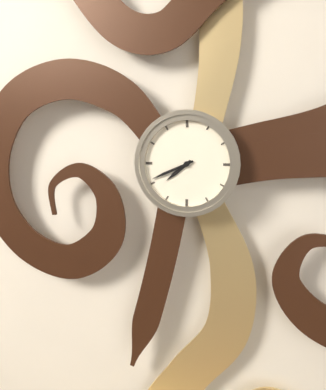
{"hour": 7, "minute": 41}
